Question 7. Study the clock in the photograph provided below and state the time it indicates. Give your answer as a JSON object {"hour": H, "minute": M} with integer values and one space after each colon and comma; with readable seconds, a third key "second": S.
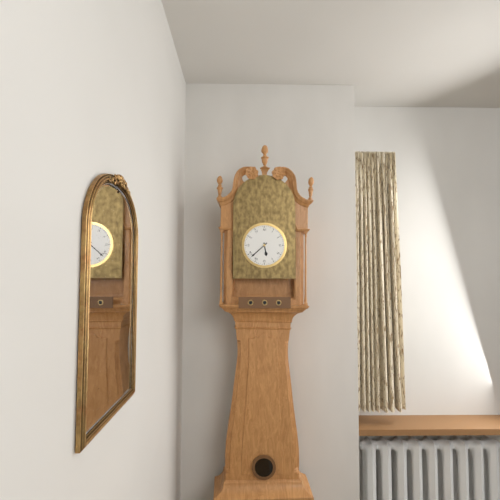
{"hour": 5, "minute": 38}
